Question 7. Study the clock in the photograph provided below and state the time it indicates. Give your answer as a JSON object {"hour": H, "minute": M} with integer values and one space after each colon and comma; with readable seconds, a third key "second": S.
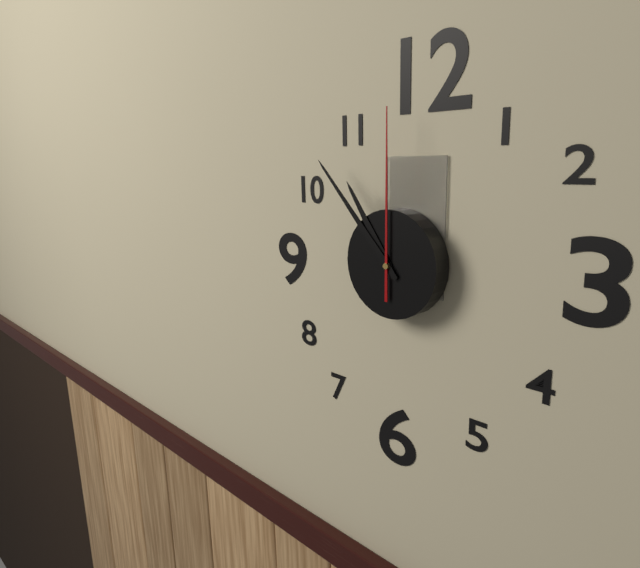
{"hour": 10, "minute": 53, "second": 0}
